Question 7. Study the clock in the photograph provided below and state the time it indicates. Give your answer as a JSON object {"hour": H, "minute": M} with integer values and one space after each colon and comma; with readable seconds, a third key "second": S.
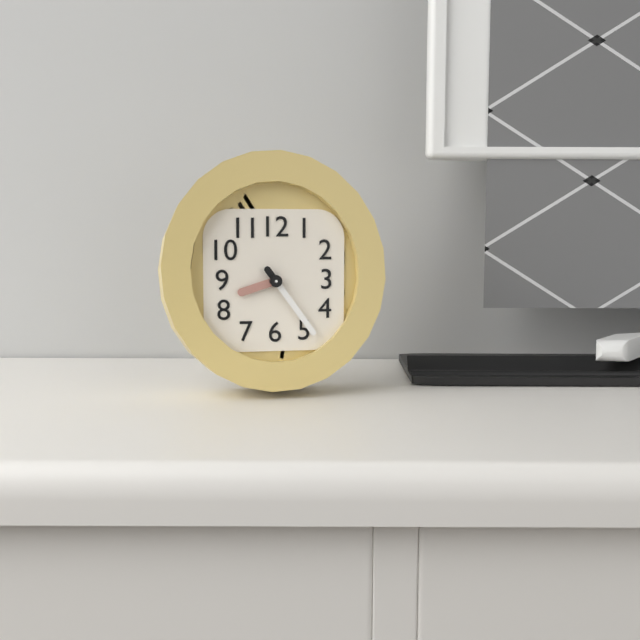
{"hour": 8, "minute": 24}
